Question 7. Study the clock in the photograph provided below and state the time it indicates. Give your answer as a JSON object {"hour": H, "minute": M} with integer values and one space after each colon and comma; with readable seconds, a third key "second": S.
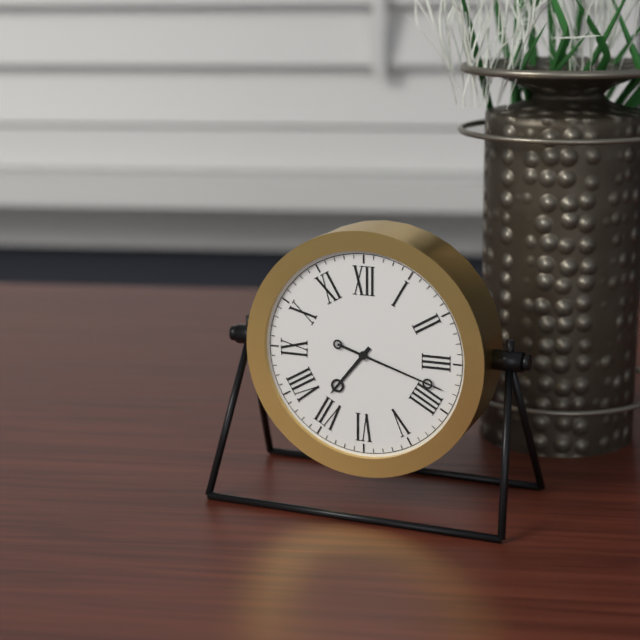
{"hour": 7, "minute": 18}
